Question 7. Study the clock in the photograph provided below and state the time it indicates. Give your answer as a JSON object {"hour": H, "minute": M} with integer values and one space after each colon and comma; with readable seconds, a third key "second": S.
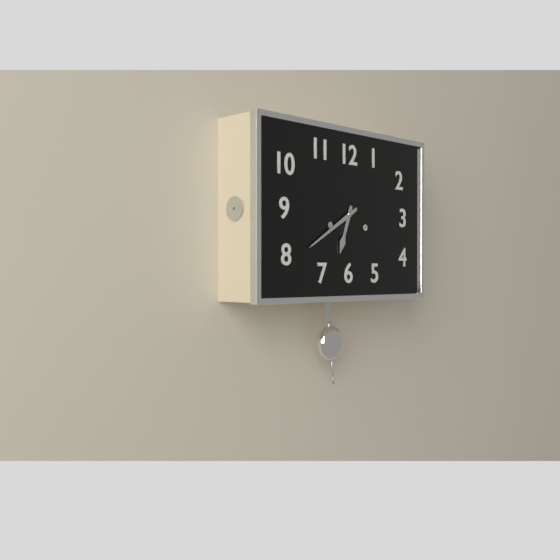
{"hour": 6, "minute": 40}
